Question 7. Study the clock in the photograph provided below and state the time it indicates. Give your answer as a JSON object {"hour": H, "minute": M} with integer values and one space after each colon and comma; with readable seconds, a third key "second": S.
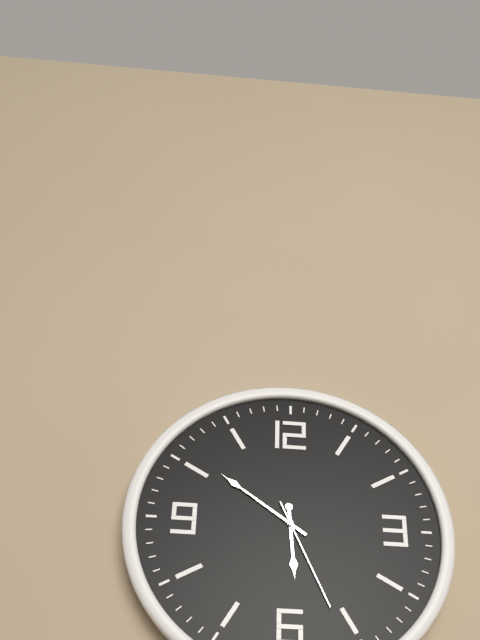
{"hour": 5, "minute": 51, "second": 26}
